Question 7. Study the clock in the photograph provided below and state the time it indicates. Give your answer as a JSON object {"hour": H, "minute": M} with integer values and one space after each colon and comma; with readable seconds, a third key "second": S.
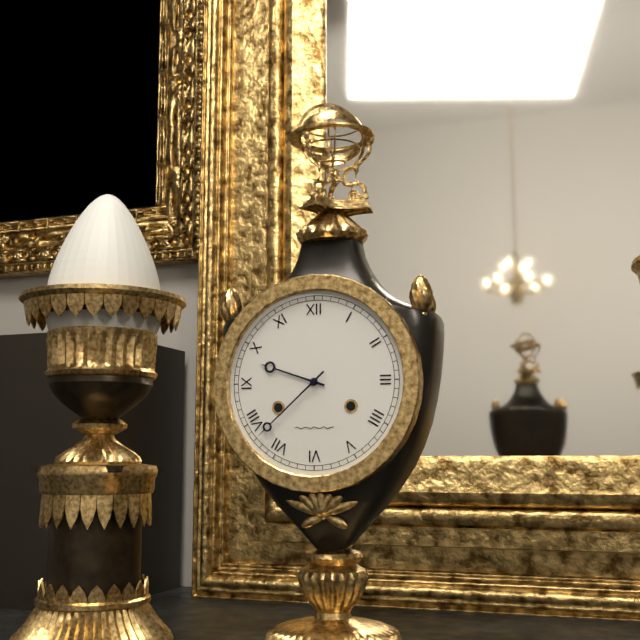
{"hour": 9, "minute": 38}
